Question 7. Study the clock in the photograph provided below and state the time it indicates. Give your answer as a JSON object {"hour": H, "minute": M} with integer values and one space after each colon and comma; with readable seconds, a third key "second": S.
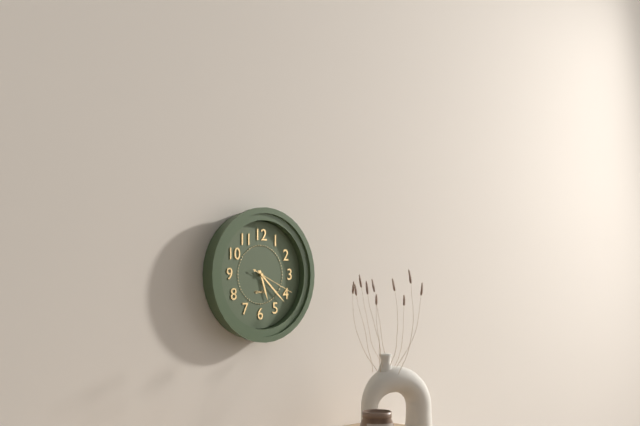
{"hour": 5, "minute": 22}
